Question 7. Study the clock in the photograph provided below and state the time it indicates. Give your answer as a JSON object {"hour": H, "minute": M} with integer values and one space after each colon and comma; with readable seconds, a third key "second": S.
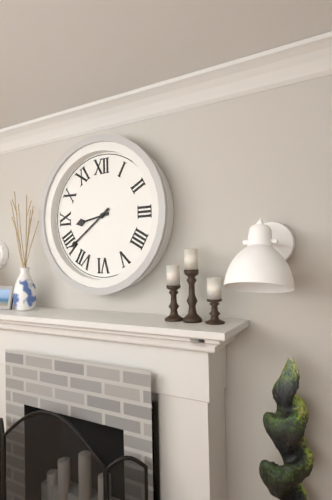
{"hour": 8, "minute": 39}
